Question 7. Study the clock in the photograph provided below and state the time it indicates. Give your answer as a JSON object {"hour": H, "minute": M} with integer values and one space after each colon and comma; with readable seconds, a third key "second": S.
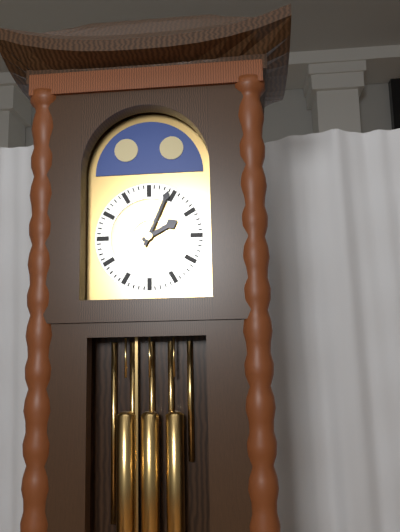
{"hour": 2, "minute": 4}
